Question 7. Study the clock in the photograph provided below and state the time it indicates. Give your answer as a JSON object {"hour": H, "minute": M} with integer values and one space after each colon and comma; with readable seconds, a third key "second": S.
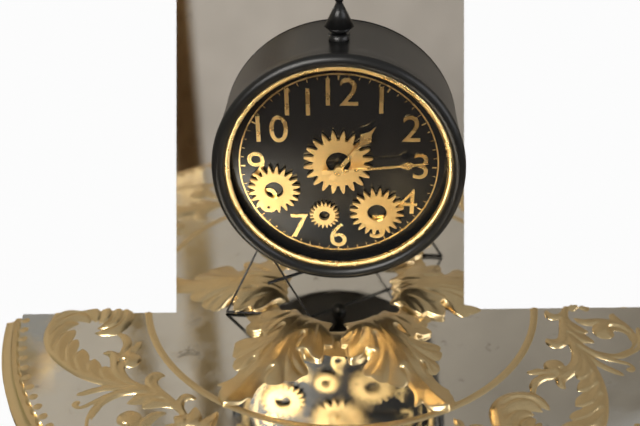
{"hour": 1, "minute": 14}
